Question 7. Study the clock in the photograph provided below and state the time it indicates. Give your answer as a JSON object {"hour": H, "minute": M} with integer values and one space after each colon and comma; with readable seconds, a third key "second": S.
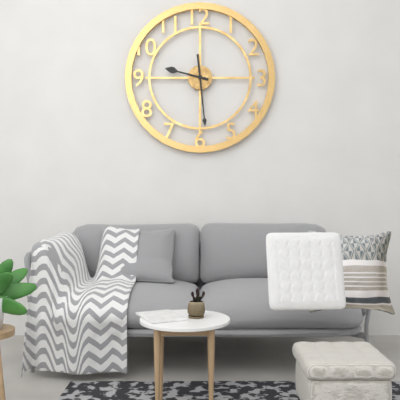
{"hour": 9, "minute": 29}
